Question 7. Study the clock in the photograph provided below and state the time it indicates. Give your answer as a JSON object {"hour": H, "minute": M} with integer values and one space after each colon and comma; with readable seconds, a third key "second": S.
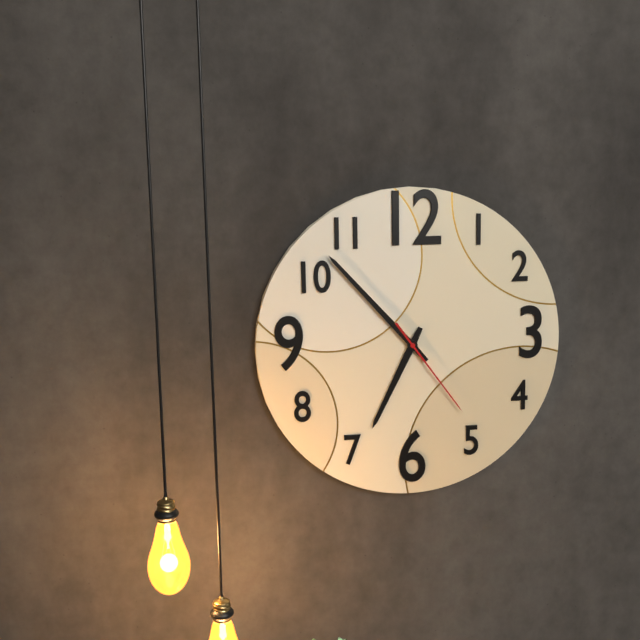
{"hour": 6, "minute": 53, "second": 24}
